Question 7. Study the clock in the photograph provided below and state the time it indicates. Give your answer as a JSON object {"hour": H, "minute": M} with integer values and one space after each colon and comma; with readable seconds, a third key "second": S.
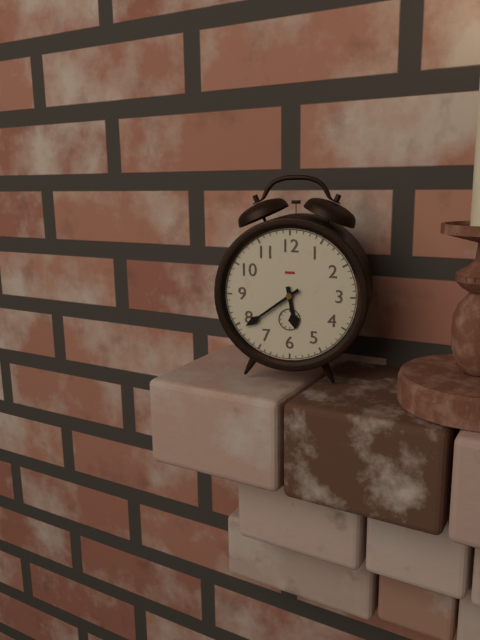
{"hour": 5, "minute": 39}
